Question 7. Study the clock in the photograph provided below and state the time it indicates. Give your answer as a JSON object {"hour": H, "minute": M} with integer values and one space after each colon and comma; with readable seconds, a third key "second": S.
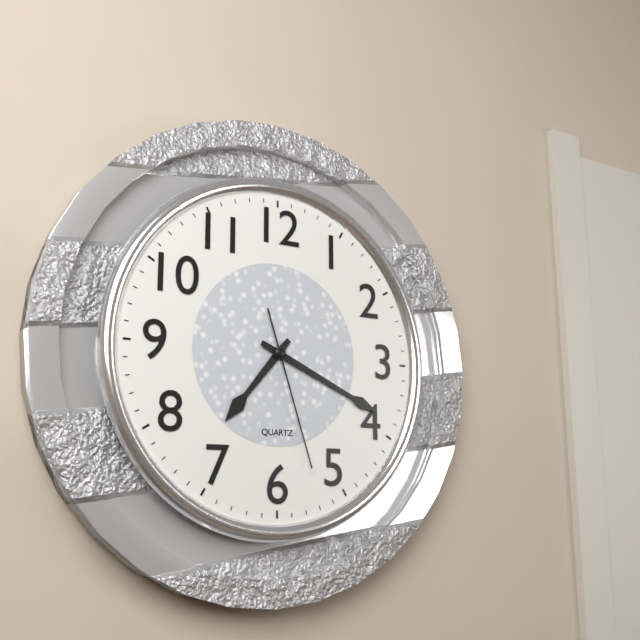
{"hour": 7, "minute": 19, "second": 27}
